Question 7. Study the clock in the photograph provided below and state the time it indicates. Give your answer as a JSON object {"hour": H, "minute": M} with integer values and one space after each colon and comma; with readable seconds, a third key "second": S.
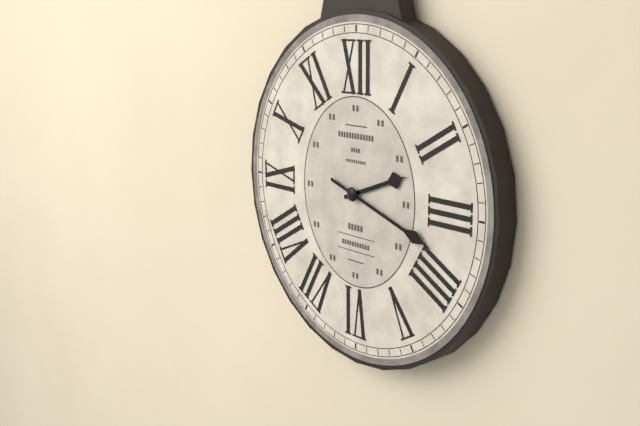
{"hour": 2, "minute": 18}
